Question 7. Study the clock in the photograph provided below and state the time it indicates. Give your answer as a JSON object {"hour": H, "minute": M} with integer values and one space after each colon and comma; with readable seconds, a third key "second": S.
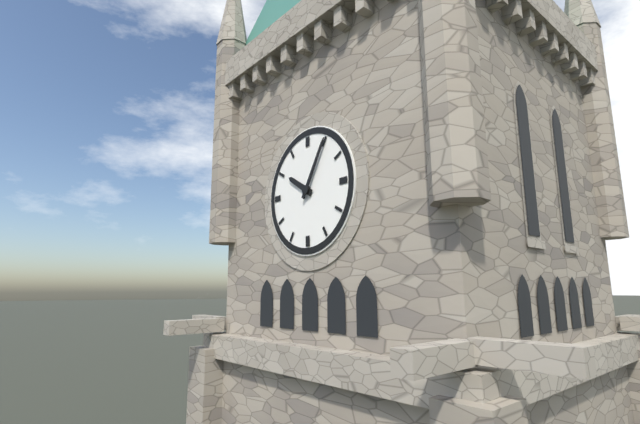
{"hour": 10, "minute": 5}
